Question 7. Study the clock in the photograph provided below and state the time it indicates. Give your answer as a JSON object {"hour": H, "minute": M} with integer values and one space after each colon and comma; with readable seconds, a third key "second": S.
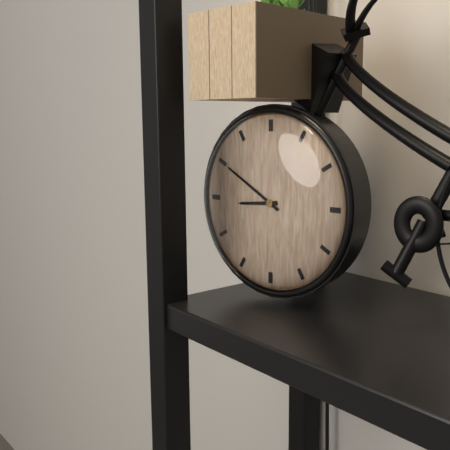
{"hour": 8, "minute": 50}
